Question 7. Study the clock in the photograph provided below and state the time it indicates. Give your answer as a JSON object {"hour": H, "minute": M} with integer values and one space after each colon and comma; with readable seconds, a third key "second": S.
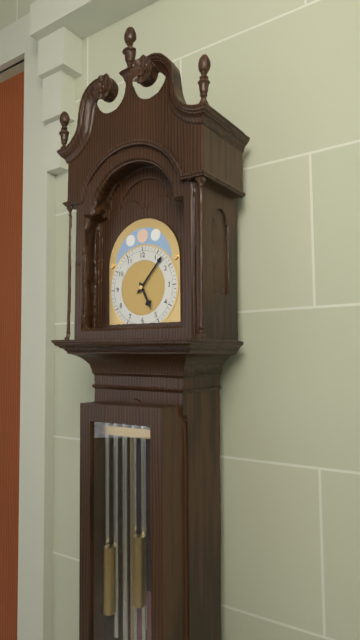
{"hour": 5, "minute": 7}
